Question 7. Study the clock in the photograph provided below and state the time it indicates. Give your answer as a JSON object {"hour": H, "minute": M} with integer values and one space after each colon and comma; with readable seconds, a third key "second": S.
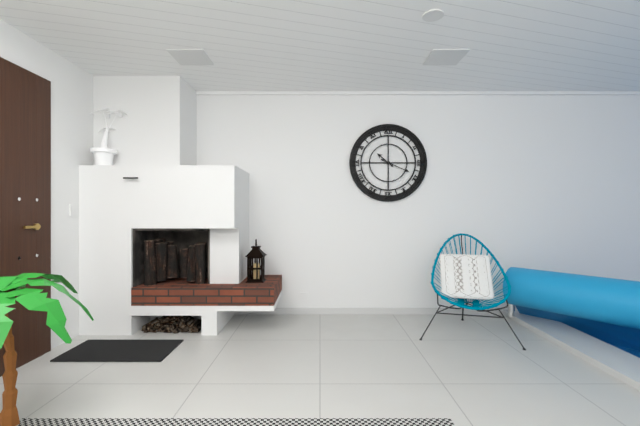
{"hour": 10, "minute": 19}
